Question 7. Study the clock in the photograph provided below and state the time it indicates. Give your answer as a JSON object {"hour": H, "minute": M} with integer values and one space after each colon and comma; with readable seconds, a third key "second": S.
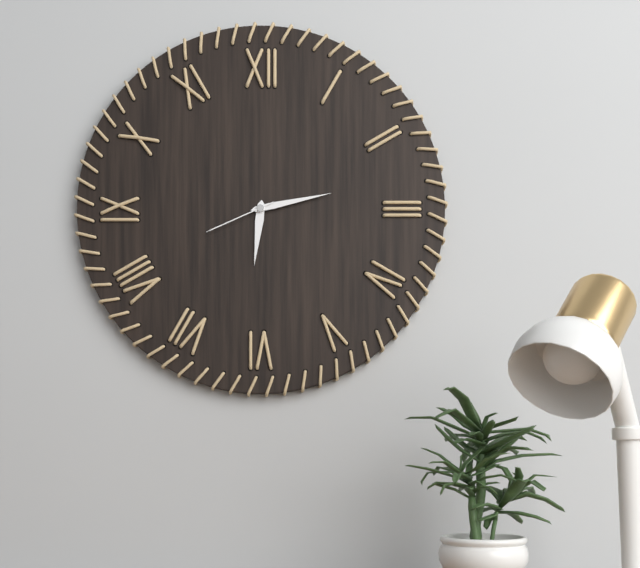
{"hour": 6, "minute": 13, "second": 41}
